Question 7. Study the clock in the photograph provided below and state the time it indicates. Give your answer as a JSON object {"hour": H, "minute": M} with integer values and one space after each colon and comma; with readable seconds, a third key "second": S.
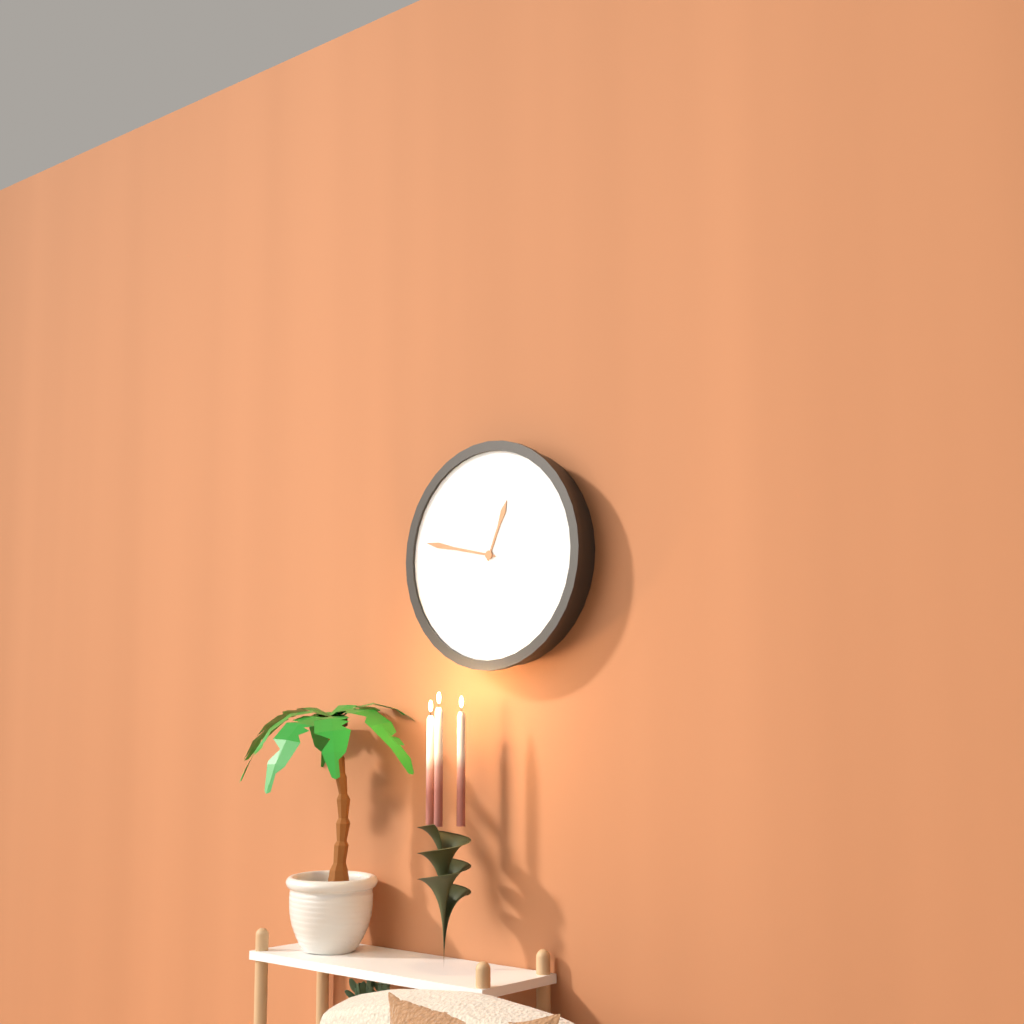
{"hour": 12, "minute": 47}
